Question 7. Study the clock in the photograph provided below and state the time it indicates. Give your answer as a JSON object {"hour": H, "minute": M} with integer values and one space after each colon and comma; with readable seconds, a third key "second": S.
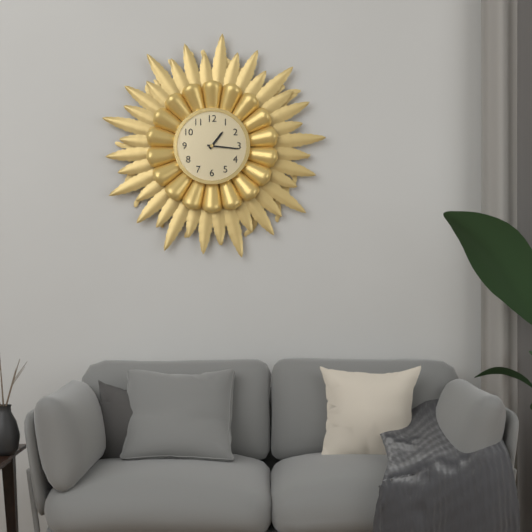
{"hour": 1, "minute": 16}
